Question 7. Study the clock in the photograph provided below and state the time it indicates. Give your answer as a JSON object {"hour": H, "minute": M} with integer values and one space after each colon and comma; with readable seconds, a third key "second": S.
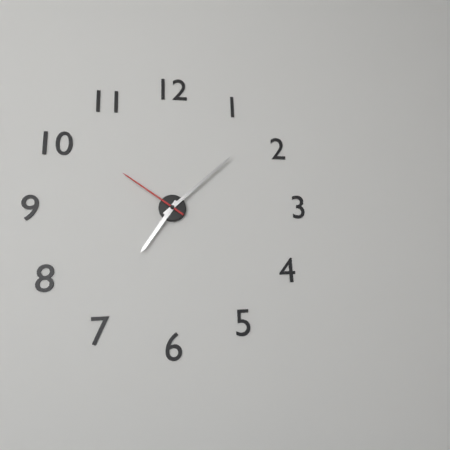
{"hour": 7, "minute": 8, "second": 51}
